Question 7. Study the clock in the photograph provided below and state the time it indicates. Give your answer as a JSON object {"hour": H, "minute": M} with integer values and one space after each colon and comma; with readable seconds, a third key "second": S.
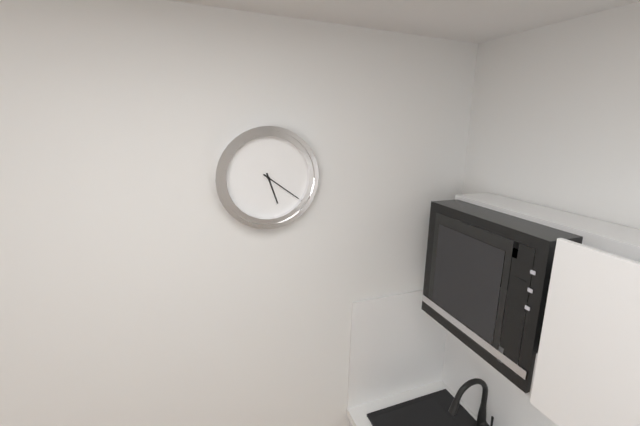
{"hour": 5, "minute": 21}
